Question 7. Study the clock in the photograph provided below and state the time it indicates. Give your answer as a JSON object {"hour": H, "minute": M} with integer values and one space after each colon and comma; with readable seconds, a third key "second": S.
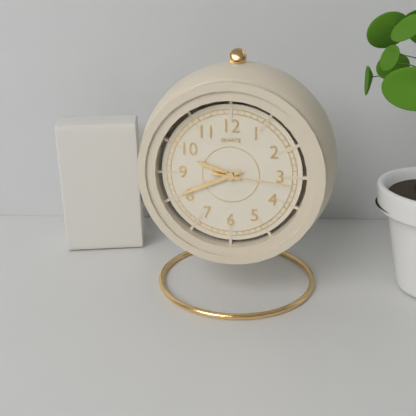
{"hour": 9, "minute": 41, "second": 16}
